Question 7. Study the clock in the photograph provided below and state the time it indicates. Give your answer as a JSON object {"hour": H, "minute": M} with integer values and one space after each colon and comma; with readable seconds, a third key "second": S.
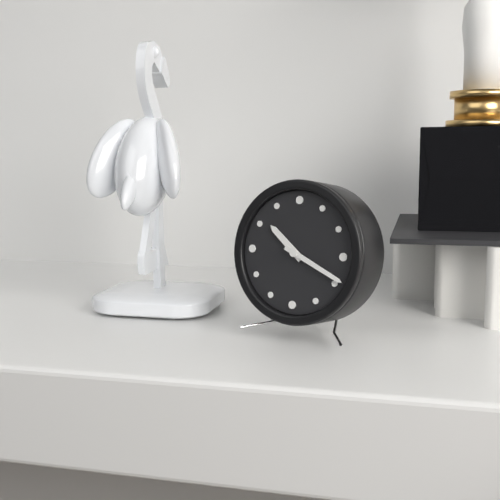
{"hour": 10, "minute": 19}
